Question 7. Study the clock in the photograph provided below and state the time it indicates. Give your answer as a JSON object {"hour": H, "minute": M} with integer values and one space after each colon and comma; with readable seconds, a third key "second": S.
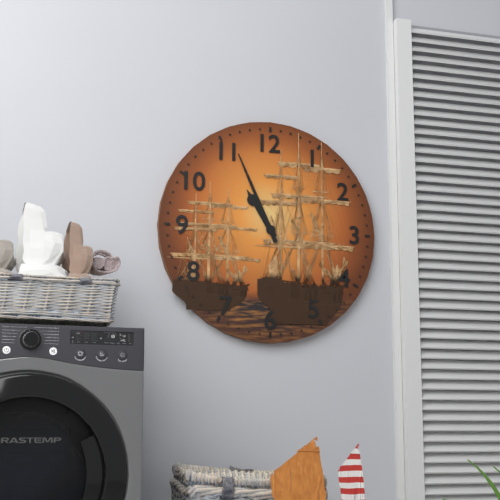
{"hour": 10, "minute": 56}
